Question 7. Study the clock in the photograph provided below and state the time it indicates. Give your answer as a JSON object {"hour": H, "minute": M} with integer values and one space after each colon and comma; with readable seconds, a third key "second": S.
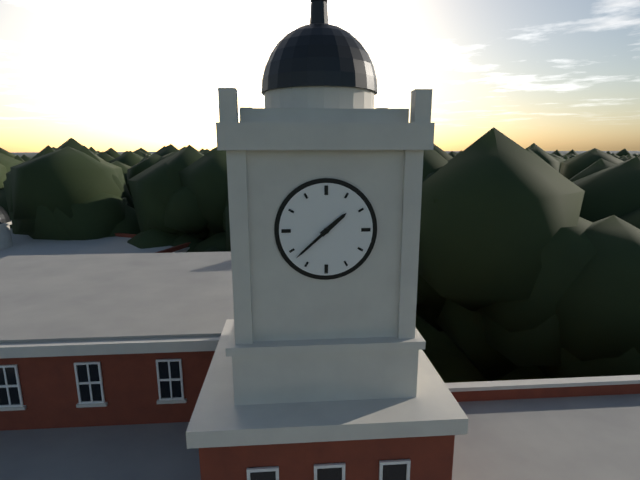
{"hour": 1, "minute": 38}
